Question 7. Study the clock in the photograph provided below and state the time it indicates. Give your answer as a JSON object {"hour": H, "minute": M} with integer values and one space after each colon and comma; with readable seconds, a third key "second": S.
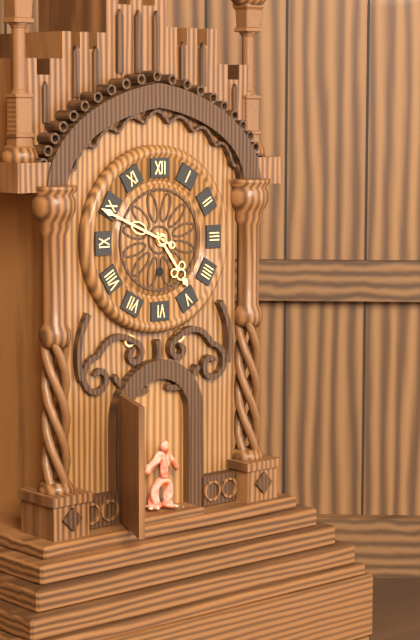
{"hour": 4, "minute": 49}
